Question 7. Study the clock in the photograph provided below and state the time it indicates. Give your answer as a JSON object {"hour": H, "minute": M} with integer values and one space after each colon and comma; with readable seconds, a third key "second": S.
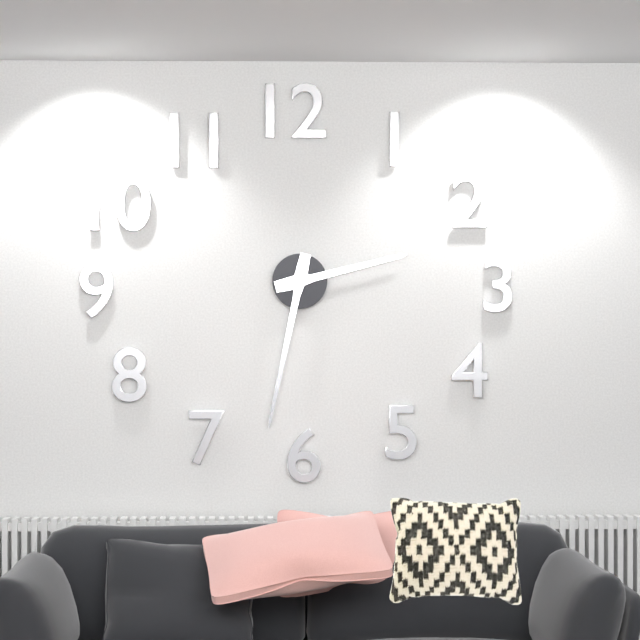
{"hour": 2, "minute": 32}
